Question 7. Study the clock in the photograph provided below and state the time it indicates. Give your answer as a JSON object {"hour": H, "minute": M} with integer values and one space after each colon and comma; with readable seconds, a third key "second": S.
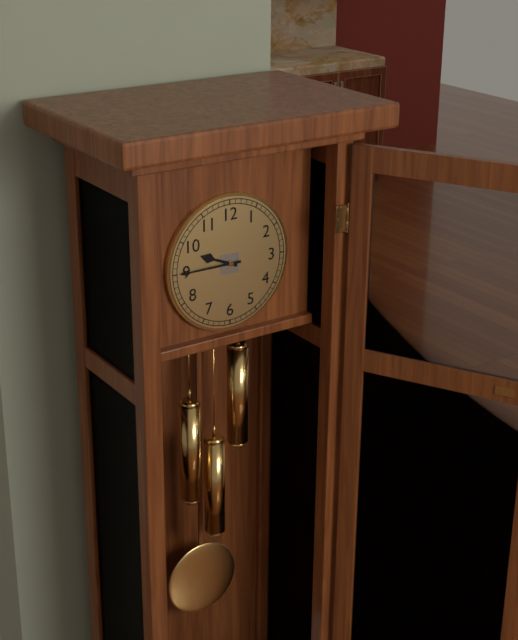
{"hour": 9, "minute": 45}
